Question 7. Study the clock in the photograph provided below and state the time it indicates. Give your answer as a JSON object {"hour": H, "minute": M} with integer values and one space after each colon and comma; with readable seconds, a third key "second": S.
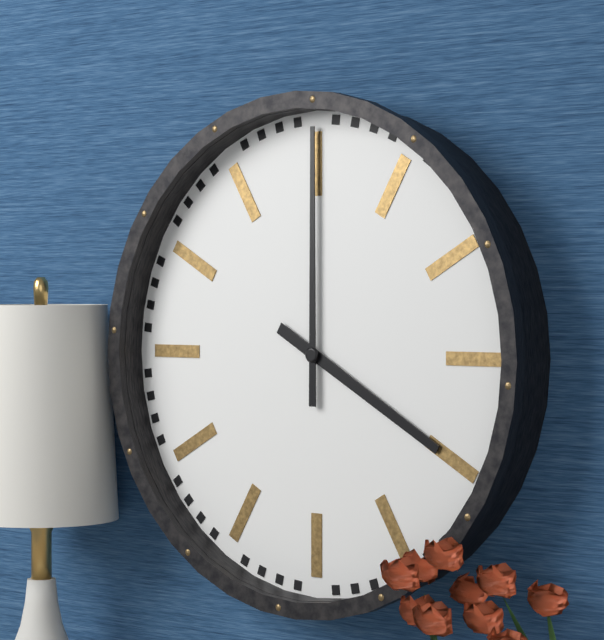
{"hour": 4, "minute": 0}
